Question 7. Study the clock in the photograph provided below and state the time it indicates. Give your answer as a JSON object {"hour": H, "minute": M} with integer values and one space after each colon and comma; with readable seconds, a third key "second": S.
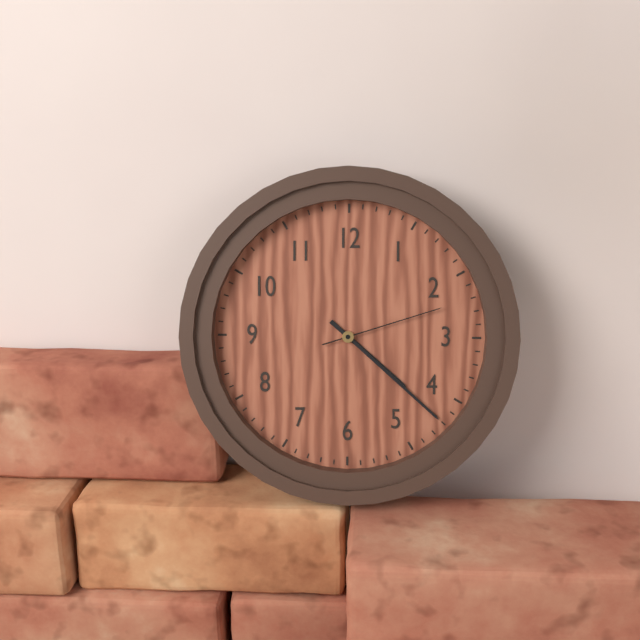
{"hour": 4, "minute": 22, "second": 12}
